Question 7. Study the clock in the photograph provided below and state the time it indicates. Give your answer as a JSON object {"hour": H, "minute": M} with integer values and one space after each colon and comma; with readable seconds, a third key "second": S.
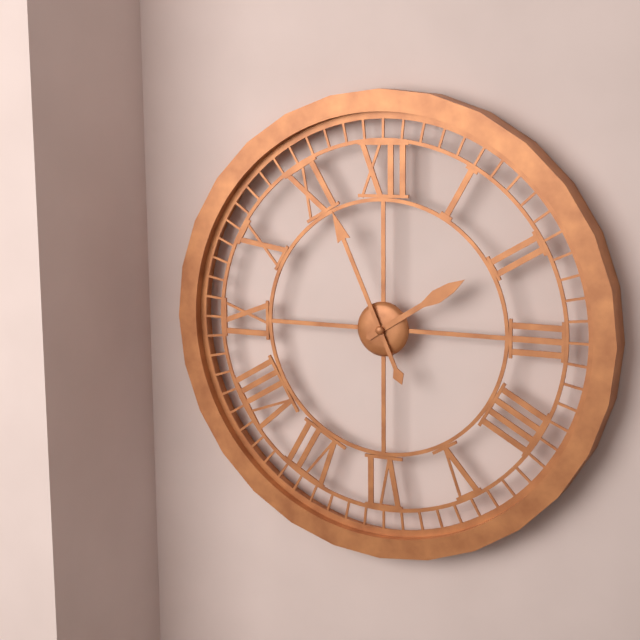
{"hour": 1, "minute": 56}
